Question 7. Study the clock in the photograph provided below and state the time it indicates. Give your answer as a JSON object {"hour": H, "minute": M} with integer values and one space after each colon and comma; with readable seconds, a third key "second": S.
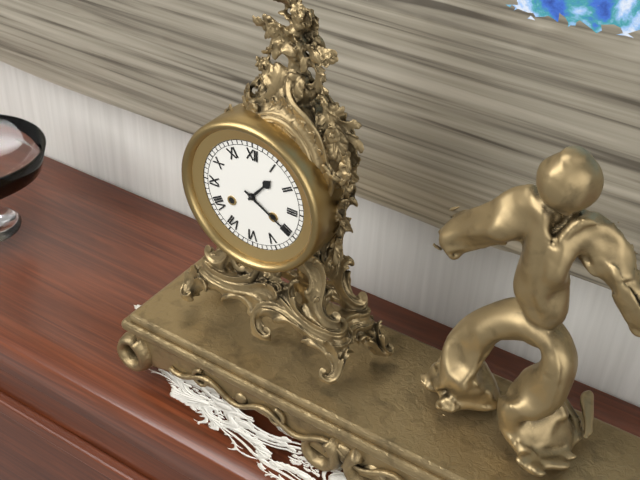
{"hour": 1, "minute": 20}
